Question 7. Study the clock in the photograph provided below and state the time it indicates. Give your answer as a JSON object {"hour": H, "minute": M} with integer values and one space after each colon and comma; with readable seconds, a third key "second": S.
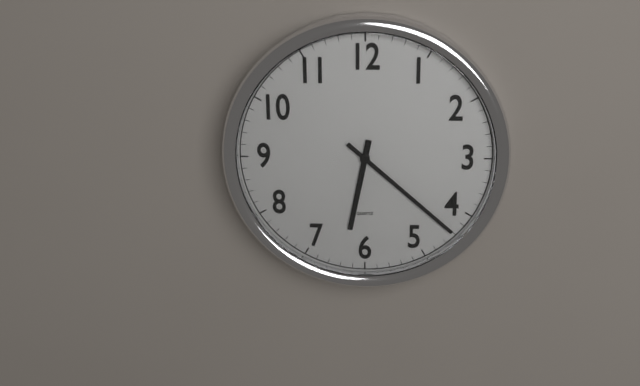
{"hour": 6, "minute": 22}
